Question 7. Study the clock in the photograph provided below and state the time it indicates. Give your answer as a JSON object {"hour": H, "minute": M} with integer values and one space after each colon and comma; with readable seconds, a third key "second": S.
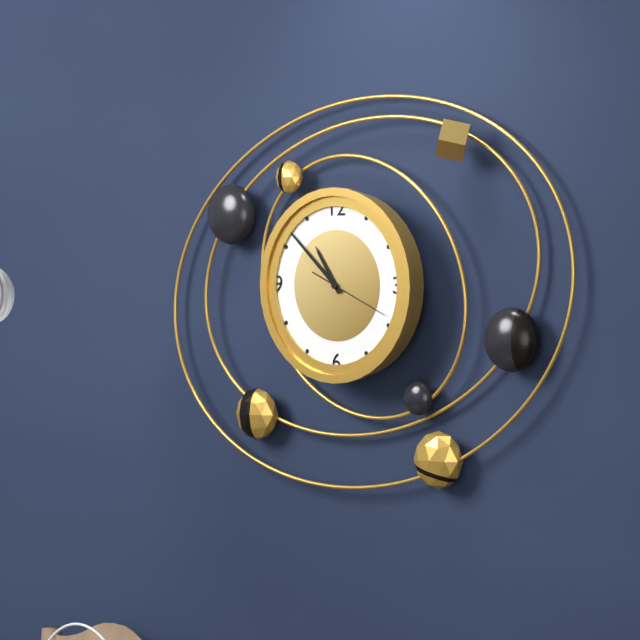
{"hour": 10, "minute": 52, "second": 19}
